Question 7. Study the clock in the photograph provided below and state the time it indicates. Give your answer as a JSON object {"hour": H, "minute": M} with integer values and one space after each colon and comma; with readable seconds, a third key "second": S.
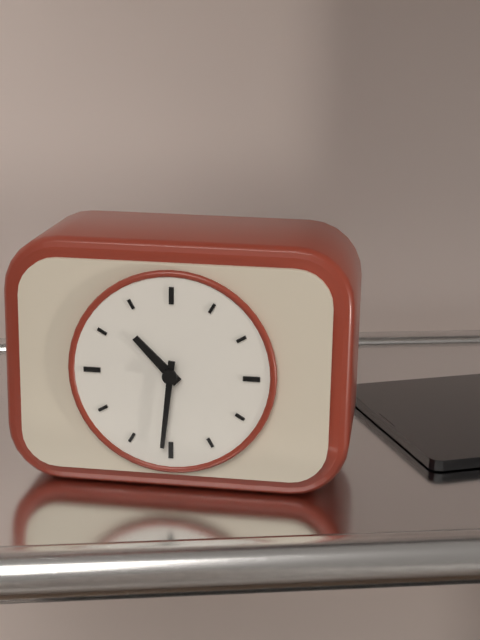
{"hour": 10, "minute": 31}
